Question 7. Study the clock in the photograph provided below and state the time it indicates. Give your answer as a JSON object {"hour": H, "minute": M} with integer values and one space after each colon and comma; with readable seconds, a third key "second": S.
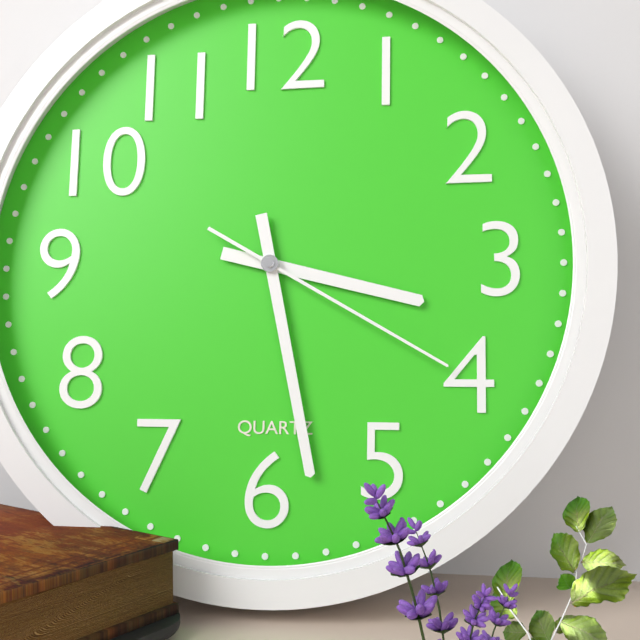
{"hour": 3, "minute": 28, "second": 20}
